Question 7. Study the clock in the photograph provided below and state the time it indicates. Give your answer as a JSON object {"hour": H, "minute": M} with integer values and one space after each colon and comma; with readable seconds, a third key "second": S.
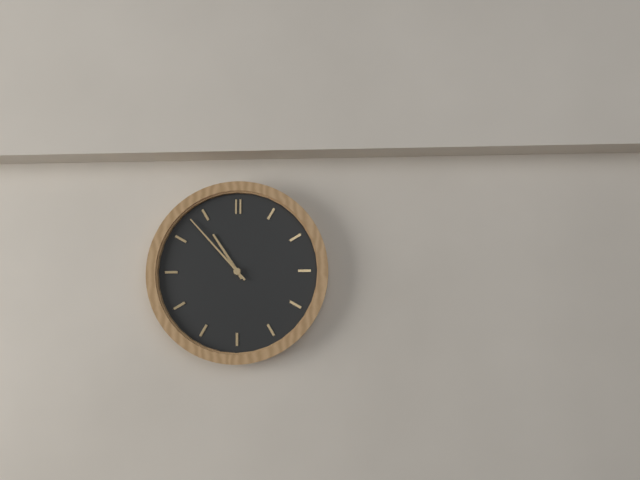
{"hour": 10, "minute": 53}
